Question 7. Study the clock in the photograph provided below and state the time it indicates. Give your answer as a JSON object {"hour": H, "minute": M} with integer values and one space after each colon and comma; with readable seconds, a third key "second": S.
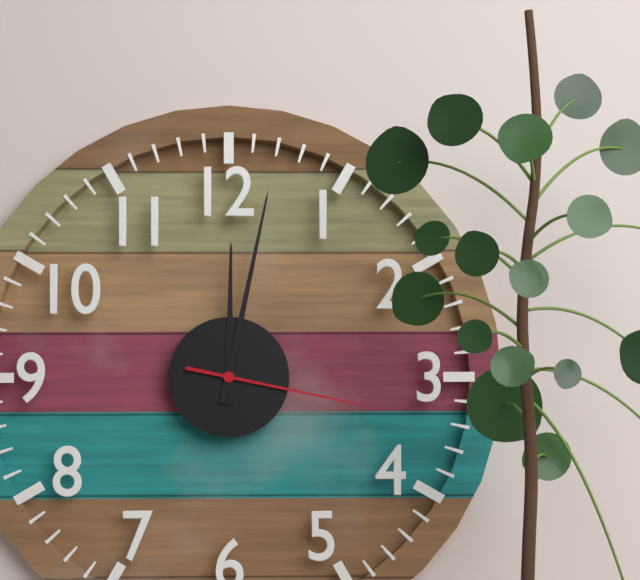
{"hour": 12, "minute": 2, "second": 17}
